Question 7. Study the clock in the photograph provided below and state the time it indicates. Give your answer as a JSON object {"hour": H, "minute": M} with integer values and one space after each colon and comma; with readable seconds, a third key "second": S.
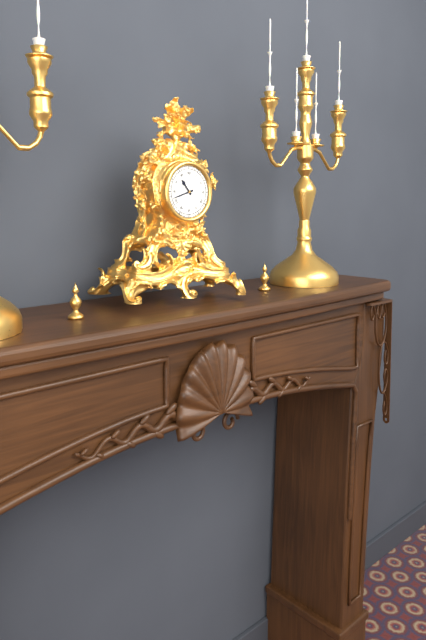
{"hour": 10, "minute": 42}
